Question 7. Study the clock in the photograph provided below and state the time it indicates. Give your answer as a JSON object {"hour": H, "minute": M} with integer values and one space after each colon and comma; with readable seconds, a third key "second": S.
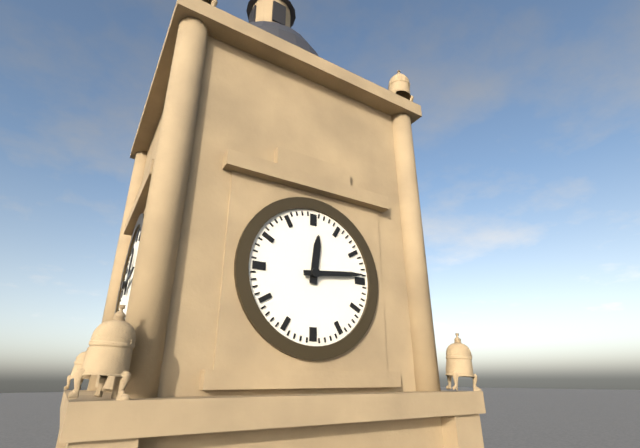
{"hour": 12, "minute": 14}
